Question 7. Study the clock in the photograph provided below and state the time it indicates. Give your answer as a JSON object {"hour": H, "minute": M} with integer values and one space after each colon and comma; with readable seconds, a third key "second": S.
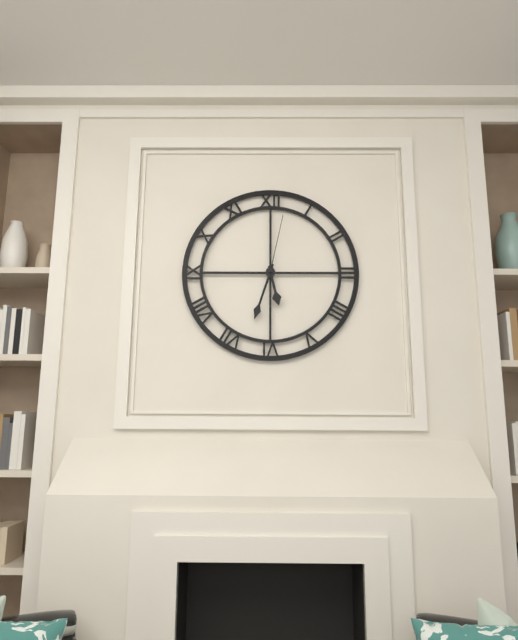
{"hour": 5, "minute": 33, "second": 2}
